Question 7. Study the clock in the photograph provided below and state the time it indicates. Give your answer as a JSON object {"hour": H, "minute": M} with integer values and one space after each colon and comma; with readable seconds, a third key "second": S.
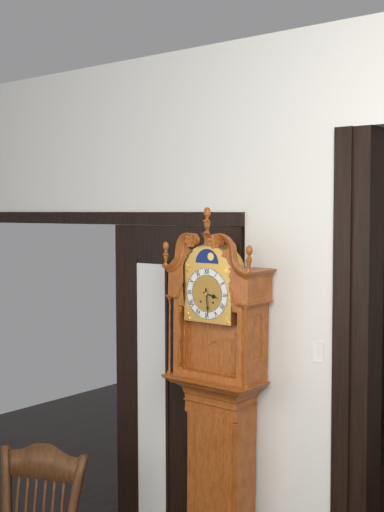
{"hour": 3, "minute": 29}
